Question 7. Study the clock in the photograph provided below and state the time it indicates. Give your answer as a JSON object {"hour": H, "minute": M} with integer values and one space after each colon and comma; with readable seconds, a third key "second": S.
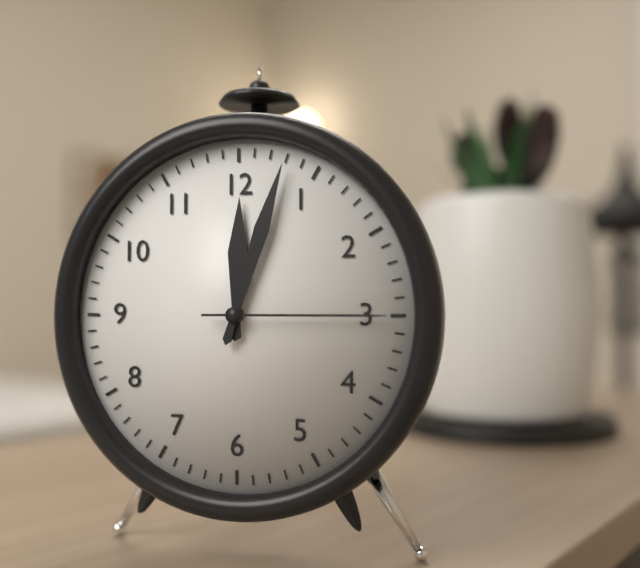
{"hour": 12, "minute": 3, "second": 15}
